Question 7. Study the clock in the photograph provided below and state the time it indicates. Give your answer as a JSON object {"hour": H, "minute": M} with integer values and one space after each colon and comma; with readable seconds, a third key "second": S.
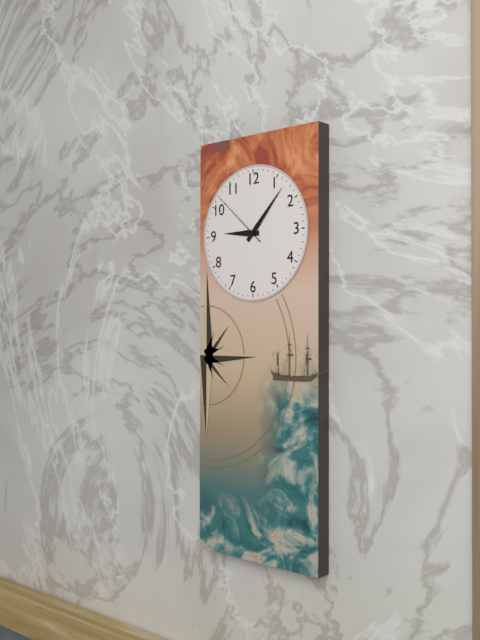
{"hour": 9, "minute": 7, "second": 52}
